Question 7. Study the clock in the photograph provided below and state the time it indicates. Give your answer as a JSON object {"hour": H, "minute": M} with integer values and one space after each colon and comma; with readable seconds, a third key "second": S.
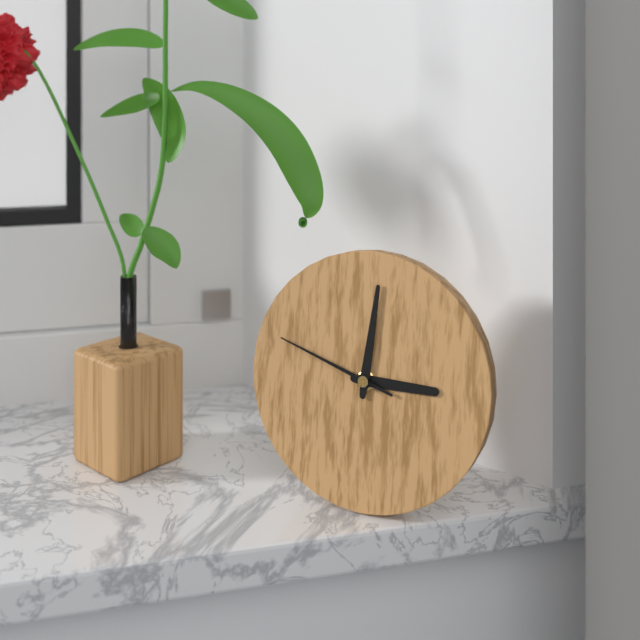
{"hour": 3, "minute": 1, "second": 48}
